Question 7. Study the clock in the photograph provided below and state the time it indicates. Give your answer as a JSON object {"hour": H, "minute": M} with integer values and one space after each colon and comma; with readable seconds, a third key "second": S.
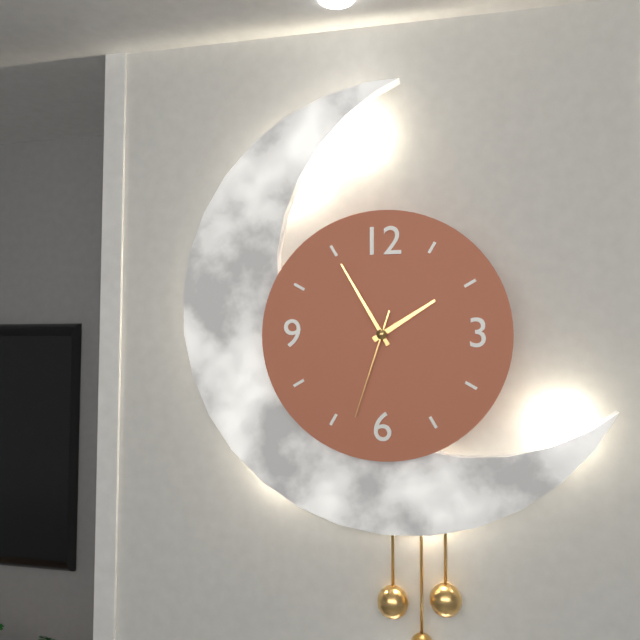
{"hour": 1, "minute": 55, "second": 33}
